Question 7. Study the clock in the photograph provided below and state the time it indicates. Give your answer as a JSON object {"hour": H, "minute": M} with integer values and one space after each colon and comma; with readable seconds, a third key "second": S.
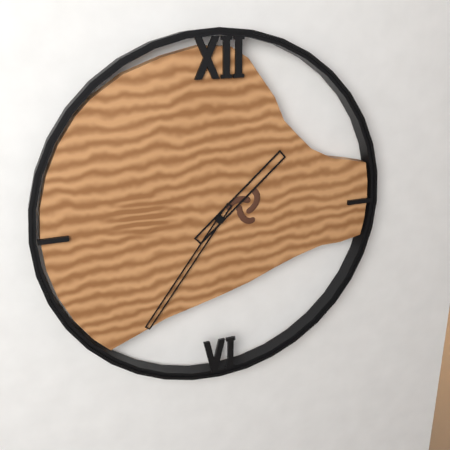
{"hour": 1, "minute": 36}
